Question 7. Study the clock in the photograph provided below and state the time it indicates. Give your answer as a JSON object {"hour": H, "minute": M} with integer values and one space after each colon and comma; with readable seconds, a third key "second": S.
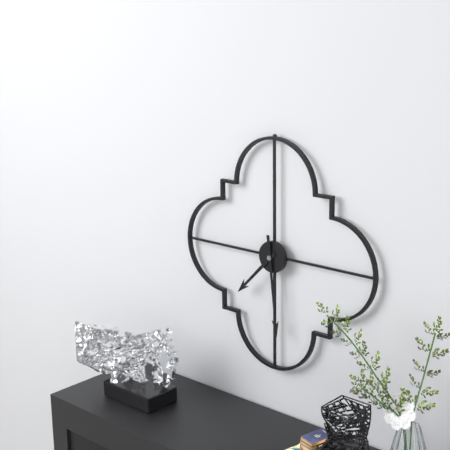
{"hour": 7, "minute": 29}
